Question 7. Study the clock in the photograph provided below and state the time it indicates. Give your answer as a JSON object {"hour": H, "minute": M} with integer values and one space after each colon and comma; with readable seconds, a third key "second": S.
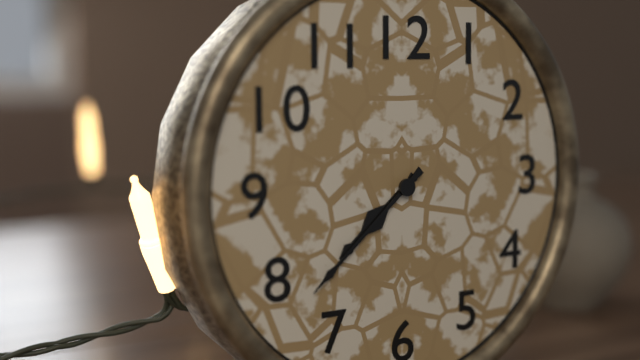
{"hour": 7, "minute": 38}
